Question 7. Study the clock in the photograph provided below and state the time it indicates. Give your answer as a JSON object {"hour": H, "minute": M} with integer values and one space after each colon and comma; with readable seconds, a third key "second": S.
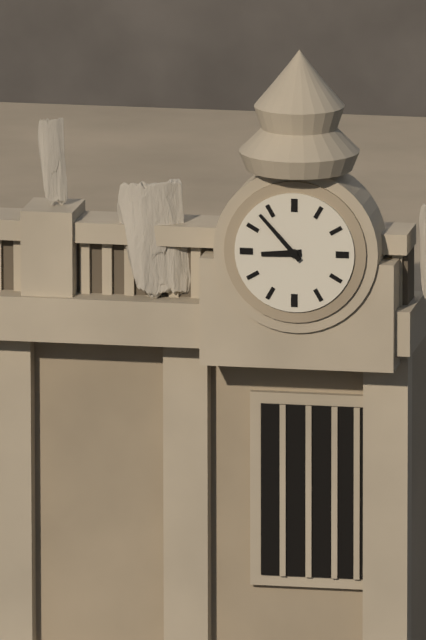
{"hour": 8, "minute": 53}
